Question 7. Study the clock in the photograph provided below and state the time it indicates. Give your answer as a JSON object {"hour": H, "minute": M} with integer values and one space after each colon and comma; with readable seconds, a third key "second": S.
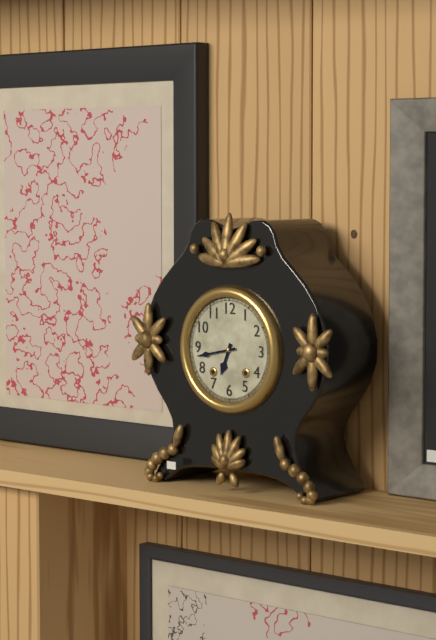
{"hour": 6, "minute": 43}
